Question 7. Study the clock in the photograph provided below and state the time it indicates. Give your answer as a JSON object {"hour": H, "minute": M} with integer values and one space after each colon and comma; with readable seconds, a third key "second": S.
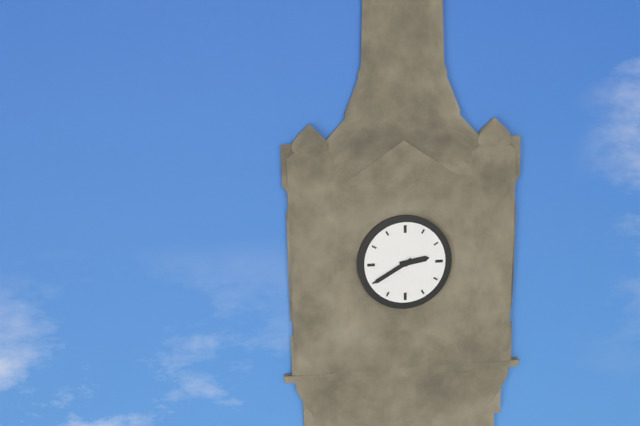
{"hour": 2, "minute": 40}
